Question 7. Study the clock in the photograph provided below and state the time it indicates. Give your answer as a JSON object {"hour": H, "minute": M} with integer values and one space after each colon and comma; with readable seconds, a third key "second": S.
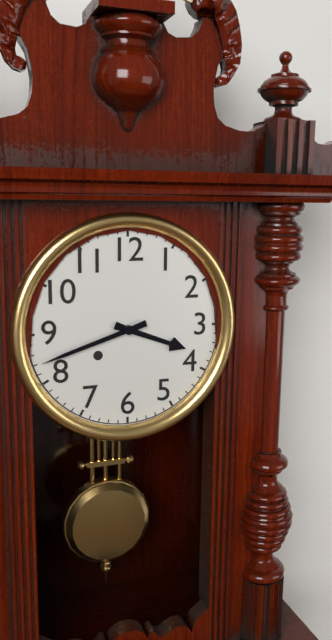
{"hour": 3, "minute": 42}
